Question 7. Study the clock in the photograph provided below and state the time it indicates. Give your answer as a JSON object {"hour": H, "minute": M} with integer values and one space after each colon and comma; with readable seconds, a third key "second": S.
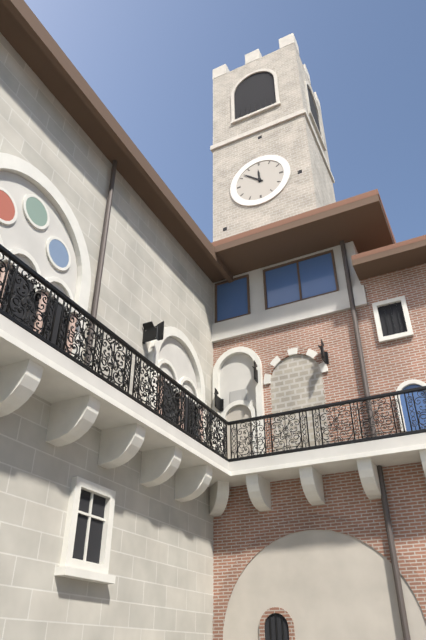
{"hour": 11, "minute": 52}
